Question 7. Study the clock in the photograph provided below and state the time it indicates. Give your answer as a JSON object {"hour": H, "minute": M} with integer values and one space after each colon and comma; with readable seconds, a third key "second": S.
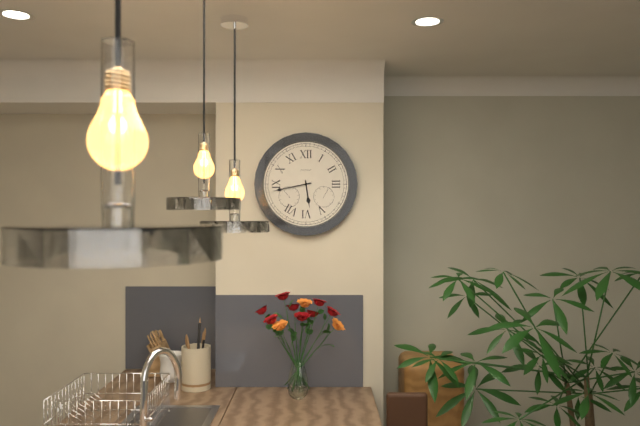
{"hour": 5, "minute": 43}
